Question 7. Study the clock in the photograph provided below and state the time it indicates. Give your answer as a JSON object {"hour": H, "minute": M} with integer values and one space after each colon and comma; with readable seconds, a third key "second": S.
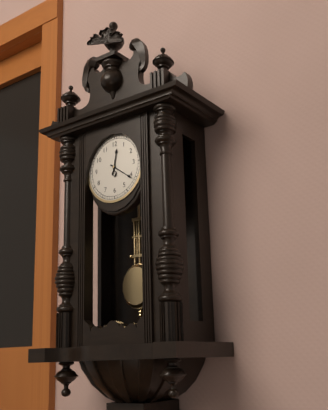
{"hour": 12, "minute": 21}
